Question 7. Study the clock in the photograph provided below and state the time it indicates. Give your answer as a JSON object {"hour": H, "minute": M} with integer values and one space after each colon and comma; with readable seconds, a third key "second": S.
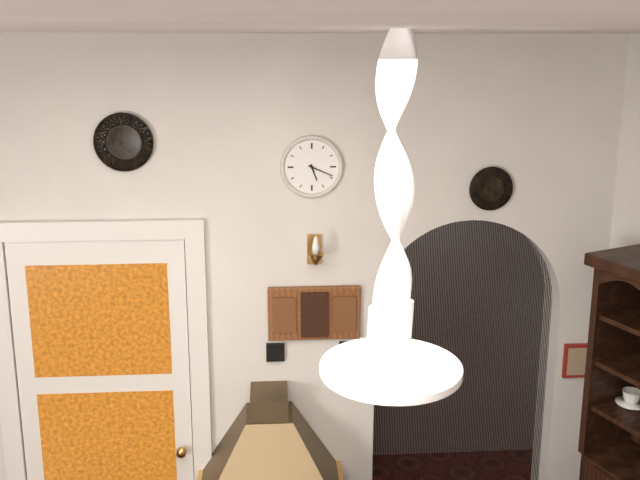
{"hour": 5, "minute": 19}
